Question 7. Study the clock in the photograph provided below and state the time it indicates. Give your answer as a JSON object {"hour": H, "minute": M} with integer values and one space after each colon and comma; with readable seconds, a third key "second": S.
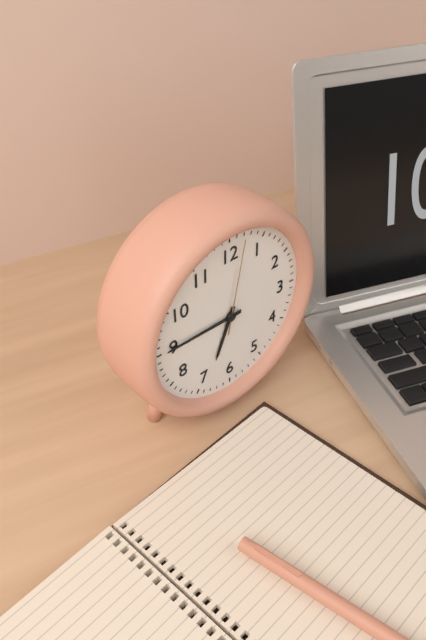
{"hour": 6, "minute": 45, "second": 2}
